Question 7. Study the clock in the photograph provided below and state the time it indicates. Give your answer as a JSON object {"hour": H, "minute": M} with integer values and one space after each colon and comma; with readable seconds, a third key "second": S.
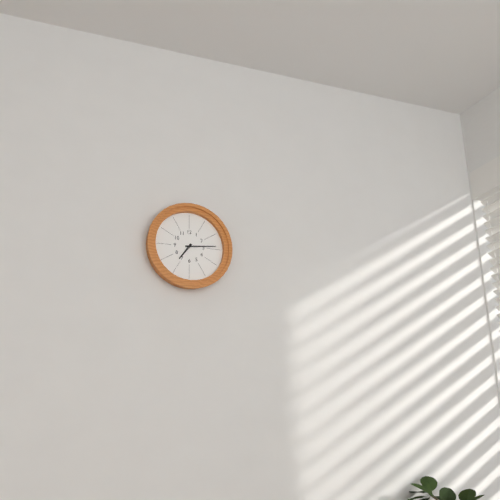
{"hour": 7, "minute": 14}
